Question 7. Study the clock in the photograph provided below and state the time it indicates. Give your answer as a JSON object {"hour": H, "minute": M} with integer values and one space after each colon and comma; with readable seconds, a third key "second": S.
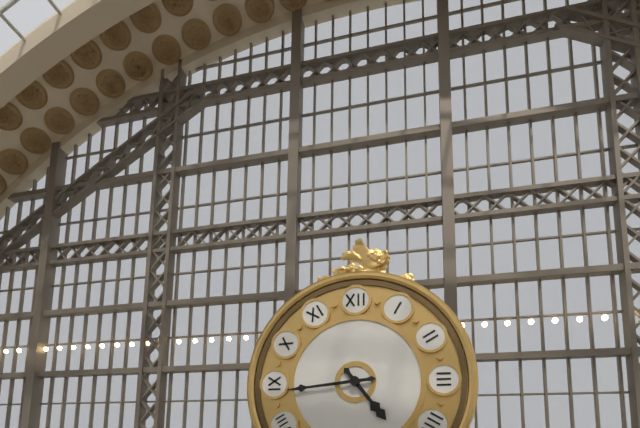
{"hour": 4, "minute": 44}
